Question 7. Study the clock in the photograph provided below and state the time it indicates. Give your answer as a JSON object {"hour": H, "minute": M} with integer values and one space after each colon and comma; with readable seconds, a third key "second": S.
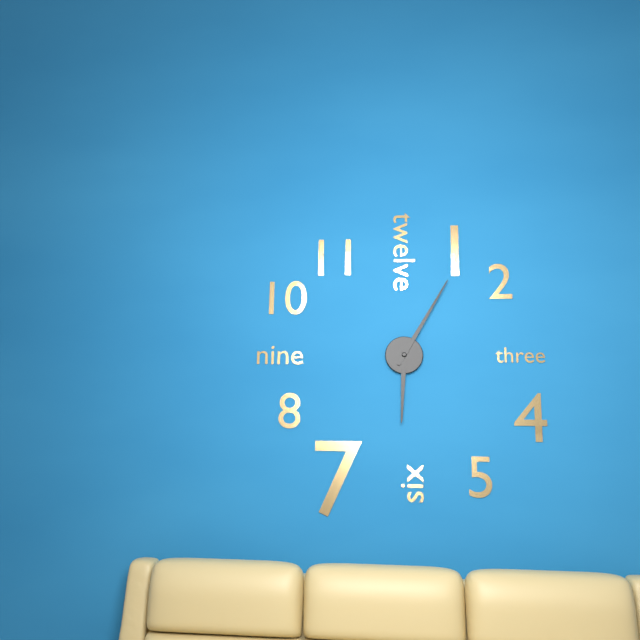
{"hour": 6, "minute": 5}
